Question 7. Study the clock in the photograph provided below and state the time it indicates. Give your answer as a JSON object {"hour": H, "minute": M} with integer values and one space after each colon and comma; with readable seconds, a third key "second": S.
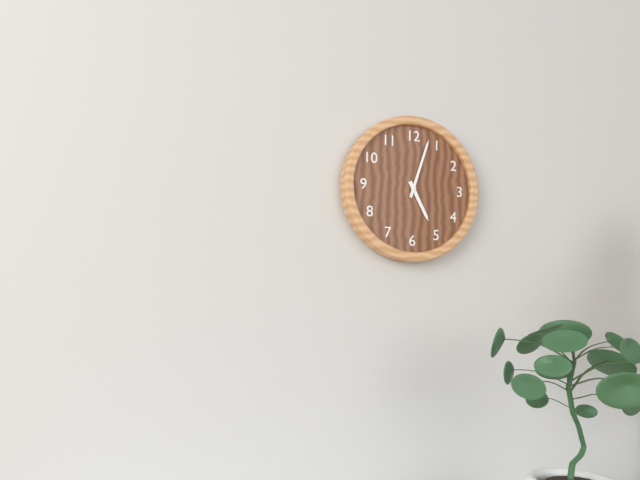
{"hour": 5, "minute": 3}
